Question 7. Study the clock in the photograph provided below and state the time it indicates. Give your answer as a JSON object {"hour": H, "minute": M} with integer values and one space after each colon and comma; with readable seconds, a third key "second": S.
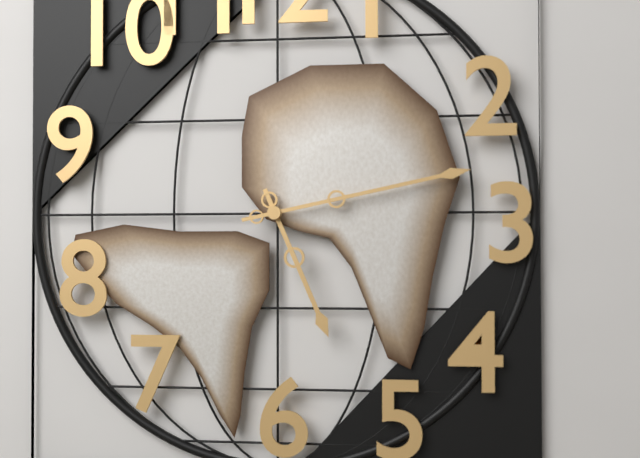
{"hour": 5, "minute": 13}
